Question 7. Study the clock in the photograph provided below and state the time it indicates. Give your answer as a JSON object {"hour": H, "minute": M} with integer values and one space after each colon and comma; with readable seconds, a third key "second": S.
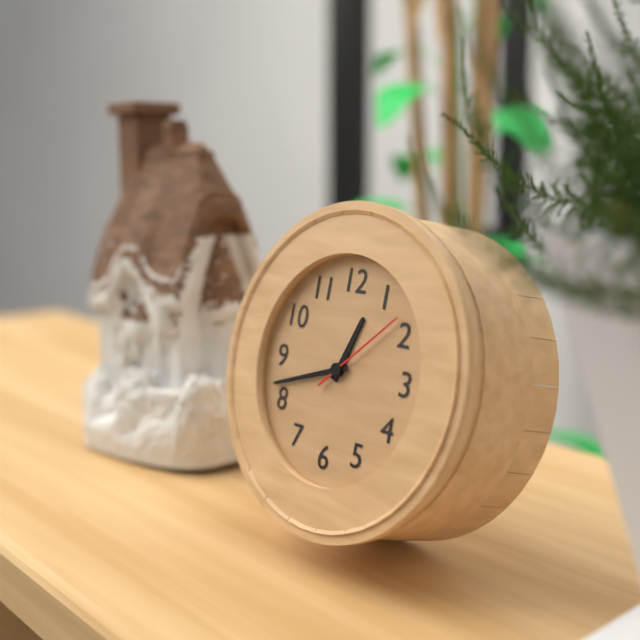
{"hour": 12, "minute": 42, "second": 8}
